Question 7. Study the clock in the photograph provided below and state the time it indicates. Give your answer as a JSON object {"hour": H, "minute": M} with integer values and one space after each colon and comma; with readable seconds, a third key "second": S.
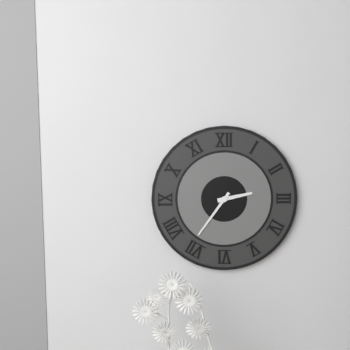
{"hour": 2, "minute": 36}
